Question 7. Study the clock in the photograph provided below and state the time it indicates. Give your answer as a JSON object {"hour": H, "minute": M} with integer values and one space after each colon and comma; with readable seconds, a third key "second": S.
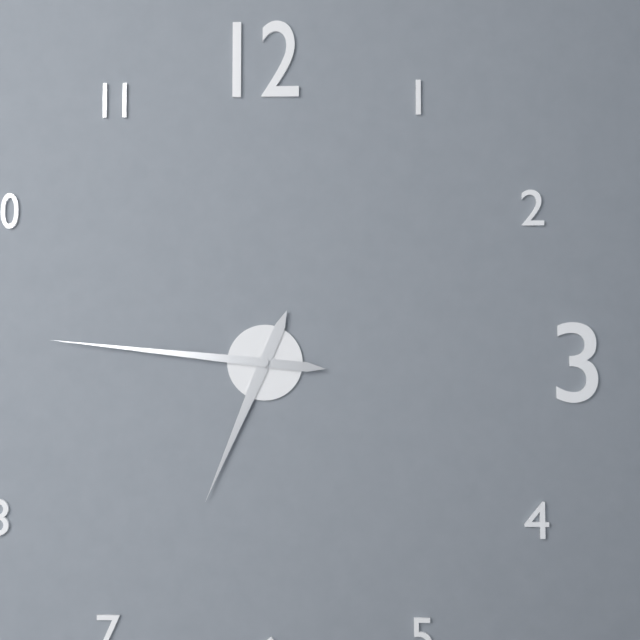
{"hour": 6, "minute": 46}
